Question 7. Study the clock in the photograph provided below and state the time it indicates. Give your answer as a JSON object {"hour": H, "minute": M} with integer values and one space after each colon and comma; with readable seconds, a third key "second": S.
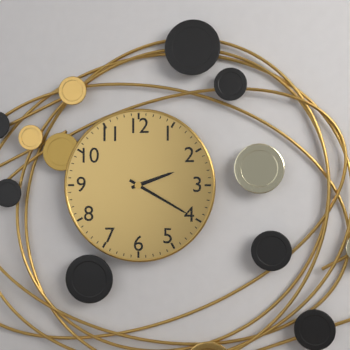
{"hour": 2, "minute": 20}
